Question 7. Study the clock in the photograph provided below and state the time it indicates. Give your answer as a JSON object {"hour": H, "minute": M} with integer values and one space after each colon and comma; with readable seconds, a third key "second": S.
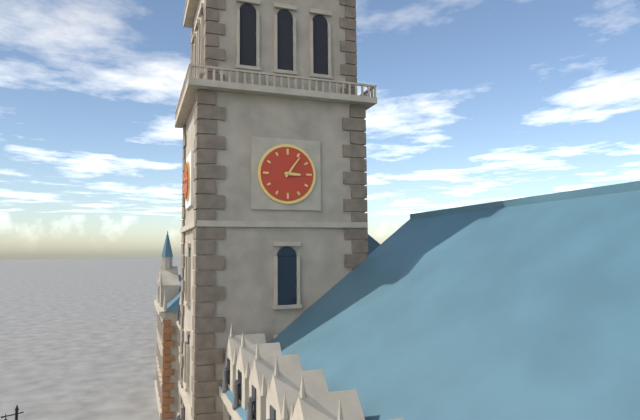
{"hour": 3, "minute": 6}
